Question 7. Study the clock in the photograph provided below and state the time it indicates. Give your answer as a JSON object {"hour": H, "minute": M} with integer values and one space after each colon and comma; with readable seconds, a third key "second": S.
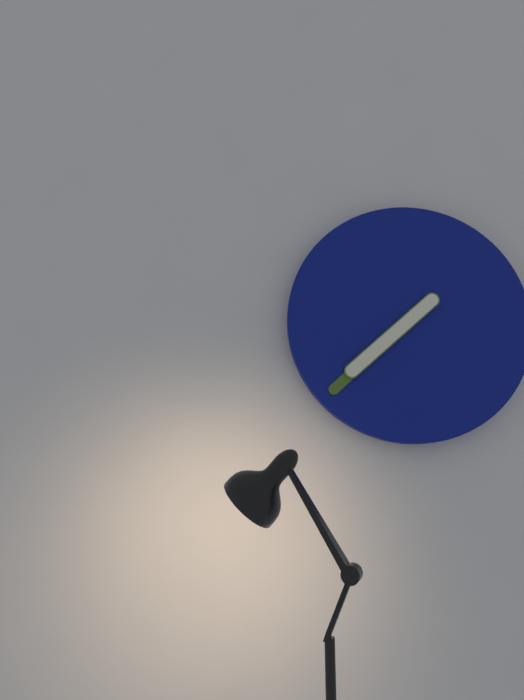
{"hour": 7, "minute": 38}
